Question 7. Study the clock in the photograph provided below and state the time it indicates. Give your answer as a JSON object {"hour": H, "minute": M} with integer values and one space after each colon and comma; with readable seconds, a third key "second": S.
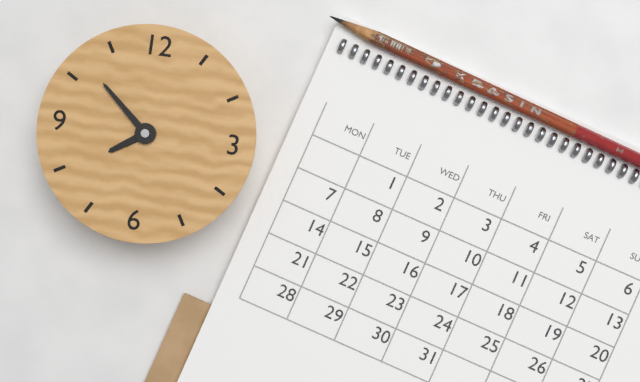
{"hour": 7, "minute": 52}
